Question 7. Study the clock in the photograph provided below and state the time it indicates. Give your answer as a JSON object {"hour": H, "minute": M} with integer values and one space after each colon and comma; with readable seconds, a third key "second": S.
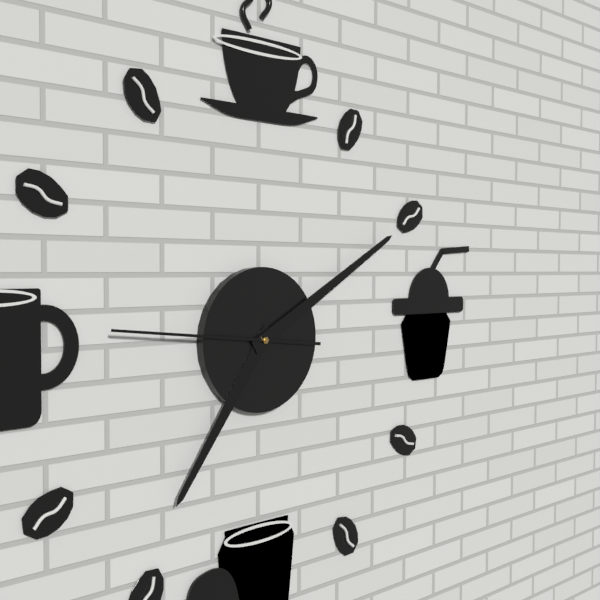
{"hour": 7, "minute": 10, "second": 46}
